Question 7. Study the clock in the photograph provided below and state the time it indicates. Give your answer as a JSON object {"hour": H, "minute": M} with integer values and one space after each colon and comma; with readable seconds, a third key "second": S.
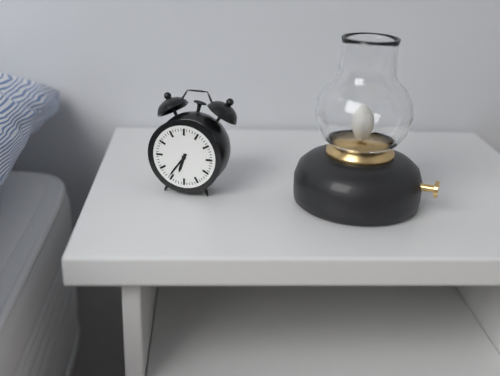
{"hour": 6, "minute": 36}
